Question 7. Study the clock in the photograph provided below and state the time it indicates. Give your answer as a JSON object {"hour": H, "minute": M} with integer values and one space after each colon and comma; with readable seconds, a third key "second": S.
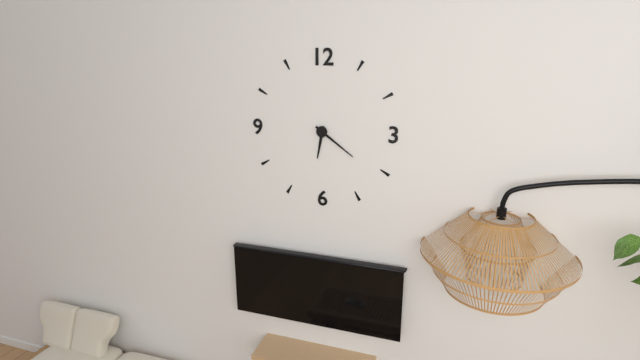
{"hour": 6, "minute": 21}
